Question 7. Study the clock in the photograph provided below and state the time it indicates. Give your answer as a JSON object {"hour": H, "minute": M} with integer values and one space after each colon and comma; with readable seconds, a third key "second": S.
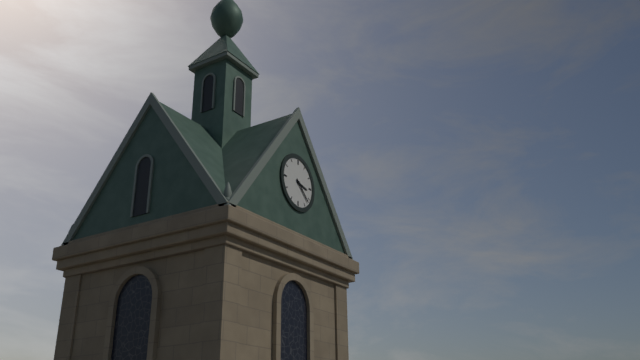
{"hour": 3, "minute": 22}
